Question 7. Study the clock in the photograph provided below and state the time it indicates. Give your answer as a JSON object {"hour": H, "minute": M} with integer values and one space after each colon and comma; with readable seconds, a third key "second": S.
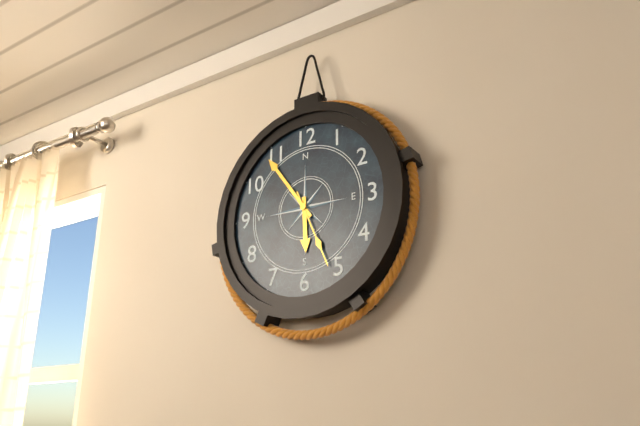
{"hour": 5, "minute": 54, "second": 26}
